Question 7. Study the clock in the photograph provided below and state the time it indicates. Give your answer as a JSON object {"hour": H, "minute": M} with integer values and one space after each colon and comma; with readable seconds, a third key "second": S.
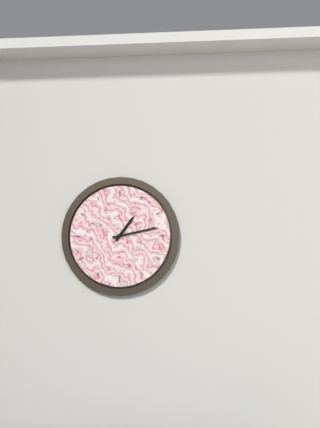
{"hour": 1, "minute": 13}
